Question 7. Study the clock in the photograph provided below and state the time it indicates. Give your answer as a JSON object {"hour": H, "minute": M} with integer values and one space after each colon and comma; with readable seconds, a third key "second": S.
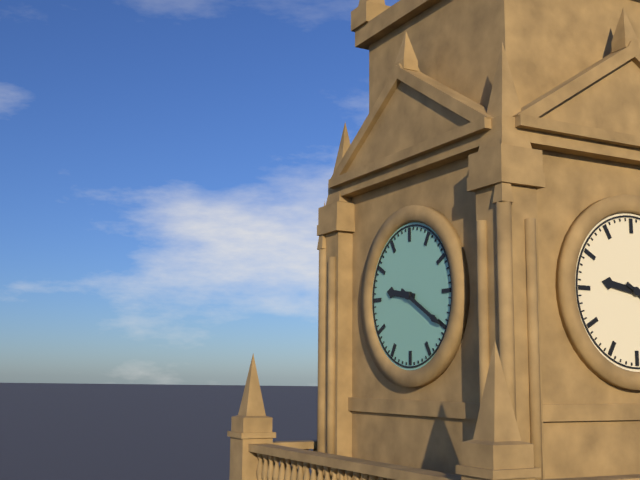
{"hour": 9, "minute": 20}
